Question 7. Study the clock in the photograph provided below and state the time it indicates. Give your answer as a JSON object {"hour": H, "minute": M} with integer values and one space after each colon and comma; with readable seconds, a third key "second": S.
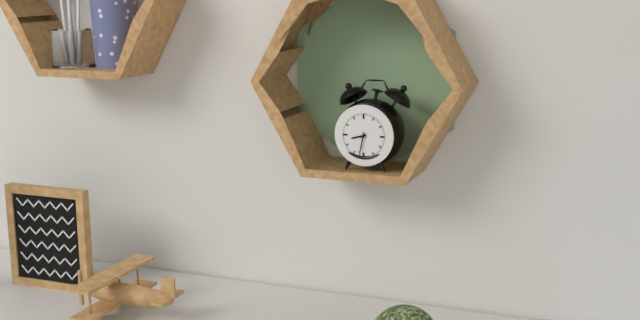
{"hour": 8, "minute": 32}
